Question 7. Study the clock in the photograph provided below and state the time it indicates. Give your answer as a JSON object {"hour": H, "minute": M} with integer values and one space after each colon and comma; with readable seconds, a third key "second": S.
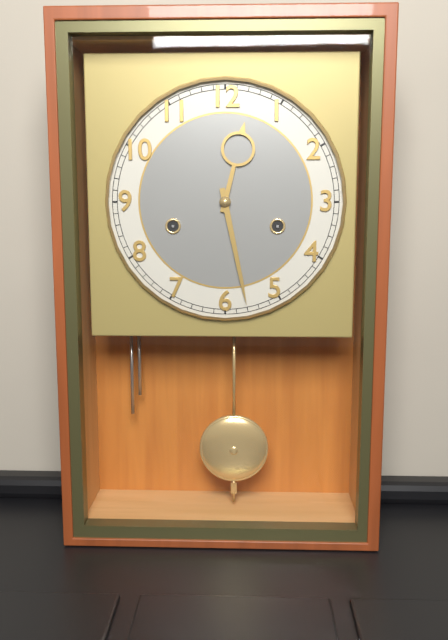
{"hour": 12, "minute": 28}
